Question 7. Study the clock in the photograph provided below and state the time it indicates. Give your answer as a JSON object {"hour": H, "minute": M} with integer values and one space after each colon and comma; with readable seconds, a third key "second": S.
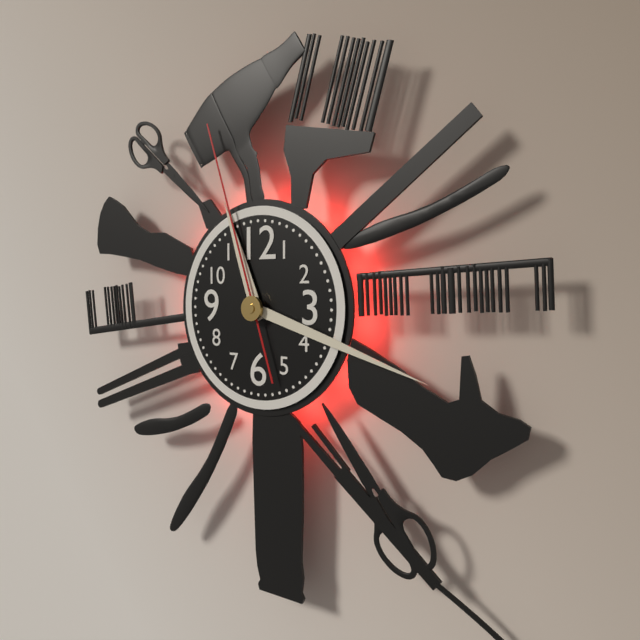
{"hour": 11, "minute": 18, "second": 57}
